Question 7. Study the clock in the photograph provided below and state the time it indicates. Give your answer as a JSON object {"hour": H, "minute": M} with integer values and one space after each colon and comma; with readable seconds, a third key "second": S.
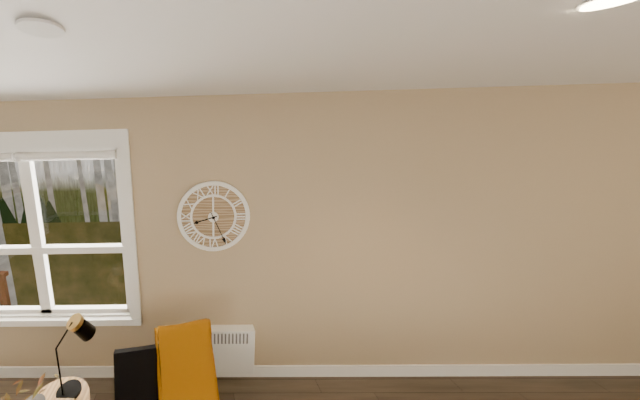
{"hour": 8, "minute": 26}
